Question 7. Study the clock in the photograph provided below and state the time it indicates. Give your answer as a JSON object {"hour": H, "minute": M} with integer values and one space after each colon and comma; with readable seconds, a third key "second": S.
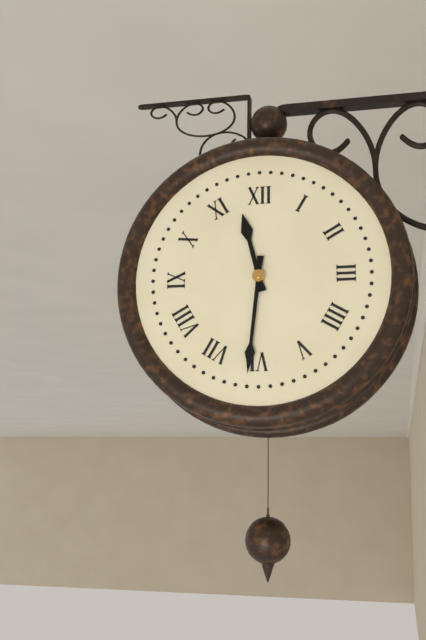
{"hour": 11, "minute": 31}
